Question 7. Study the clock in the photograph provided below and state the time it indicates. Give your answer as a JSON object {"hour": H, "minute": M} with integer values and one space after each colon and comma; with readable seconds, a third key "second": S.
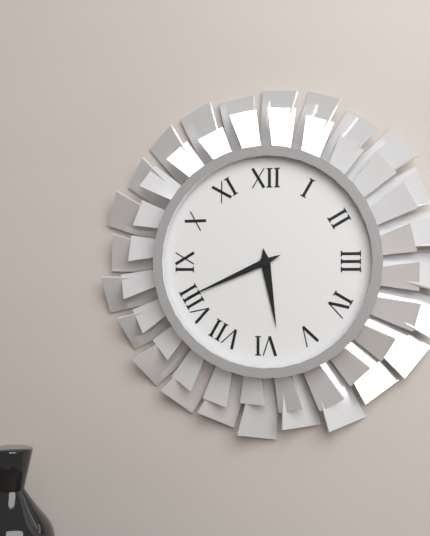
{"hour": 5, "minute": 41}
